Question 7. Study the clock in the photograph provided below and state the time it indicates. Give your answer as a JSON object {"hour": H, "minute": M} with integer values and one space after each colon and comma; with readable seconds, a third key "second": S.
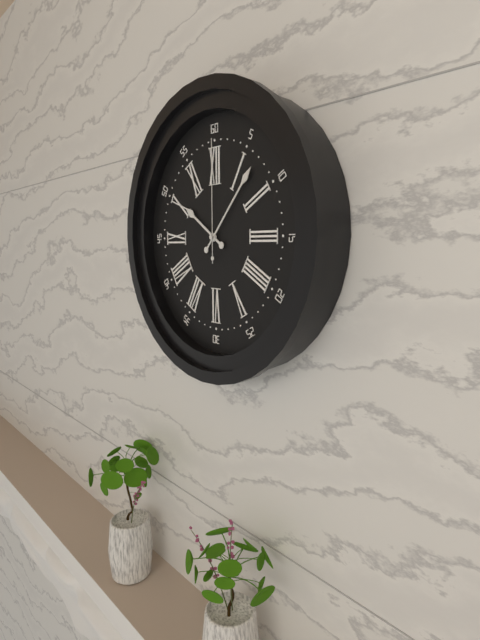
{"hour": 10, "minute": 7, "second": 0}
